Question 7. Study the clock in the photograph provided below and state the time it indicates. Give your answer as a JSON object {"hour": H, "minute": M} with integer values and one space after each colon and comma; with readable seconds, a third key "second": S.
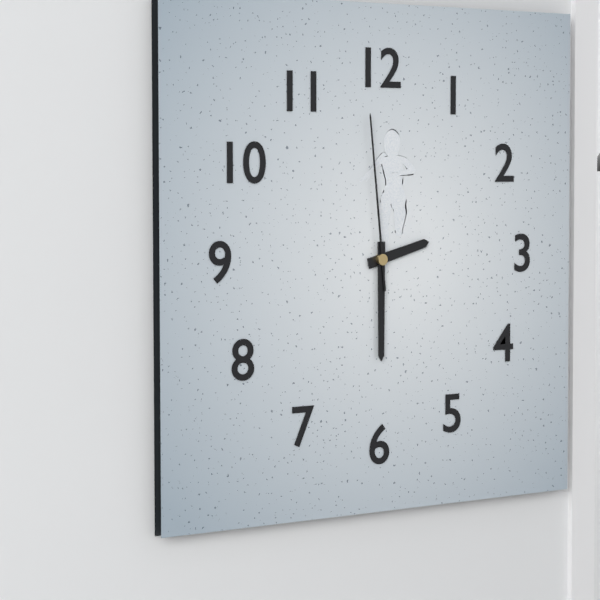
{"hour": 2, "minute": 30, "second": 59}
